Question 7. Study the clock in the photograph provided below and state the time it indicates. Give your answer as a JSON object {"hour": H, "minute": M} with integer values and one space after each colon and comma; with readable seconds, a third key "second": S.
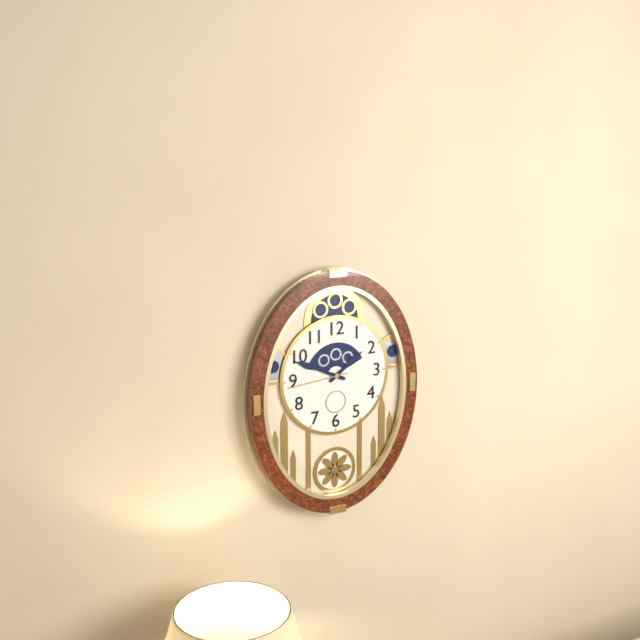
{"hour": 1, "minute": 49, "second": 44}
